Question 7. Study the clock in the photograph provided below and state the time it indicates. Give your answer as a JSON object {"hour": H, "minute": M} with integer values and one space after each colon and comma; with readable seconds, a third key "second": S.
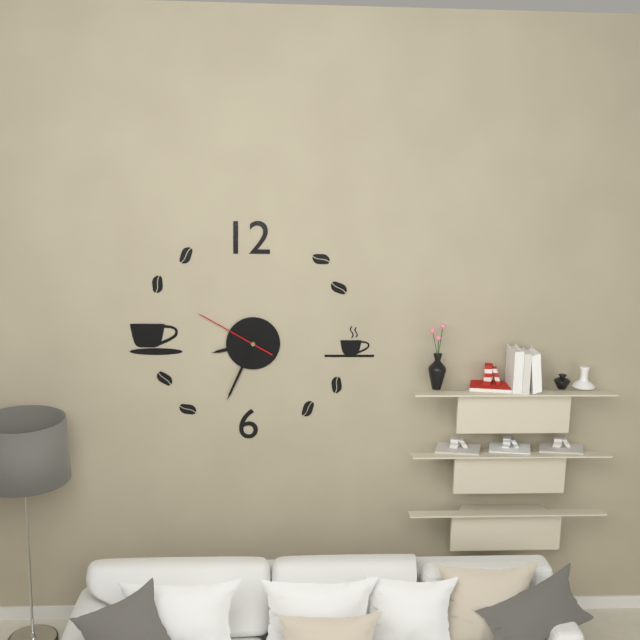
{"hour": 8, "minute": 34, "second": 50}
